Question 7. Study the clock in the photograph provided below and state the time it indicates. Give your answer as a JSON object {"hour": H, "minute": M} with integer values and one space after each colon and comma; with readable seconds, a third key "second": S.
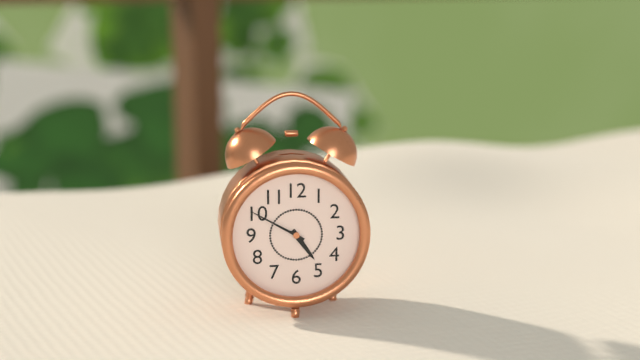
{"hour": 4, "minute": 50}
